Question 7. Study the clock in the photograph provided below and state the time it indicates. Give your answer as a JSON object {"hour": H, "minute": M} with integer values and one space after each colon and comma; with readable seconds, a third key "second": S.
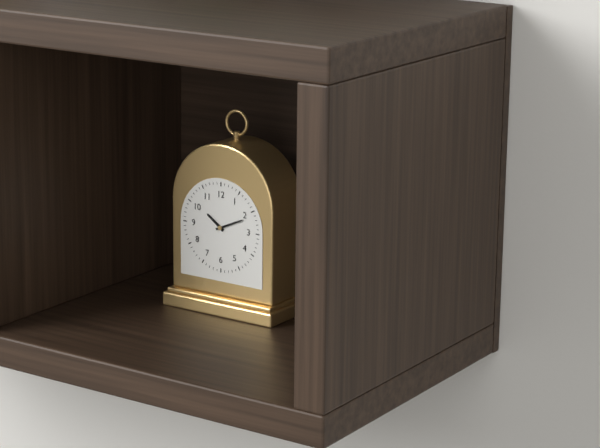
{"hour": 10, "minute": 11}
